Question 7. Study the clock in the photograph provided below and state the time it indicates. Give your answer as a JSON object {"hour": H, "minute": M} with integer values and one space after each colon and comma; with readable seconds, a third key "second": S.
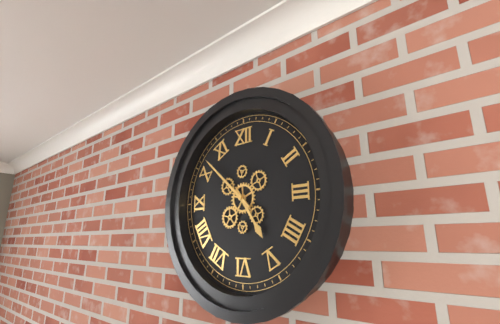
{"hour": 4, "minute": 52}
